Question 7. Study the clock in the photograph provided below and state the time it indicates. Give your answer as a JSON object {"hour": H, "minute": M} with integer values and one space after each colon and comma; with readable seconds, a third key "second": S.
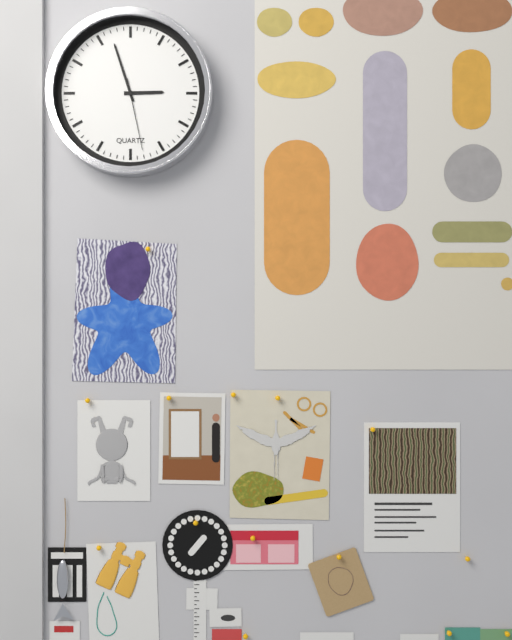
{"hour": 2, "minute": 57, "second": 28}
